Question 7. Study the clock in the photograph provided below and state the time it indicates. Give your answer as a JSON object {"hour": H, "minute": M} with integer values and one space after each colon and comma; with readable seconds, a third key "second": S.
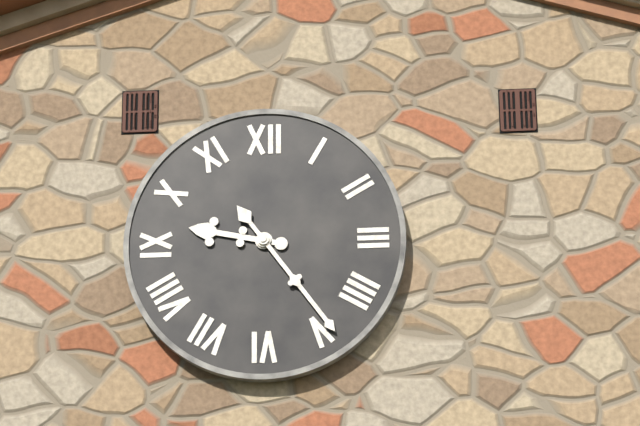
{"hour": 9, "minute": 24}
